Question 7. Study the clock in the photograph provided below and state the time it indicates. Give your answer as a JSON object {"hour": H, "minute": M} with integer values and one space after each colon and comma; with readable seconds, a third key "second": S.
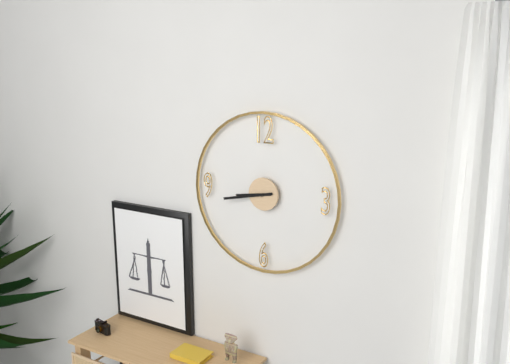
{"hour": 8, "minute": 43}
